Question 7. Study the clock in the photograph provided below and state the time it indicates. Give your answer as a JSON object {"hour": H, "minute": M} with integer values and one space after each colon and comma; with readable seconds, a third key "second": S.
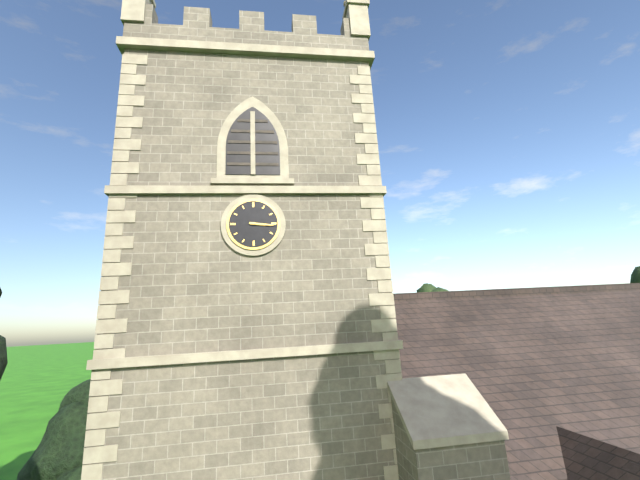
{"hour": 3, "minute": 16}
